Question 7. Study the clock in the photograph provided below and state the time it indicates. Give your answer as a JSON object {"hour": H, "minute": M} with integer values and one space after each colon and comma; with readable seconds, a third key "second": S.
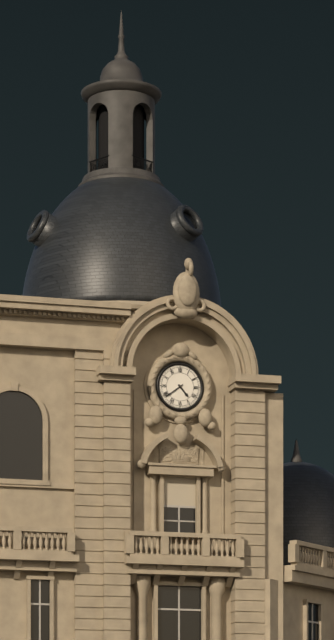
{"hour": 4, "minute": 39}
